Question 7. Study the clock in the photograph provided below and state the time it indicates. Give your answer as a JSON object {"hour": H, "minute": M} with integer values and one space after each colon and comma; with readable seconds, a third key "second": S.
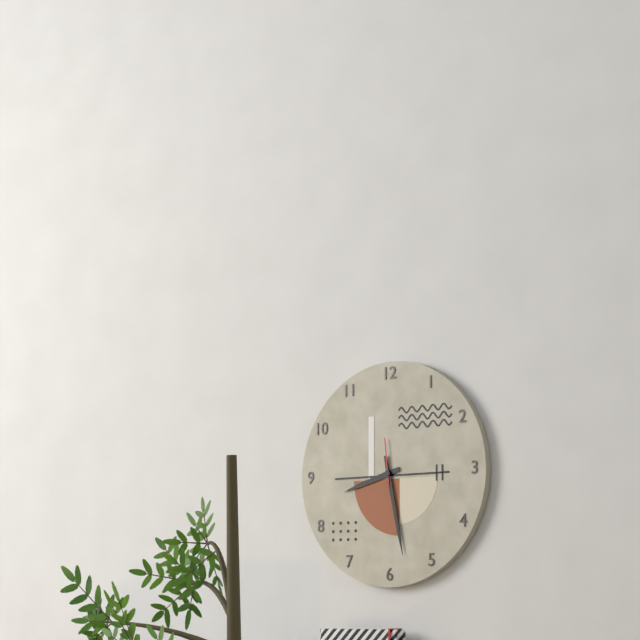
{"hour": 8, "minute": 28}
